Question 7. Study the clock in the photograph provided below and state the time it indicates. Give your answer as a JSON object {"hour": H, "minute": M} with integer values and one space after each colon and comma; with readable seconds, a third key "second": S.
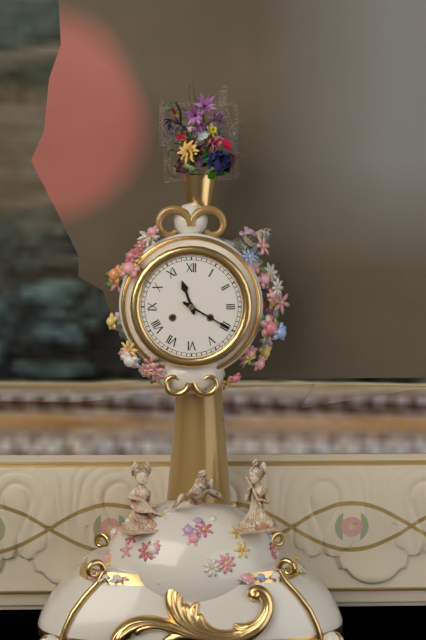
{"hour": 11, "minute": 20}
